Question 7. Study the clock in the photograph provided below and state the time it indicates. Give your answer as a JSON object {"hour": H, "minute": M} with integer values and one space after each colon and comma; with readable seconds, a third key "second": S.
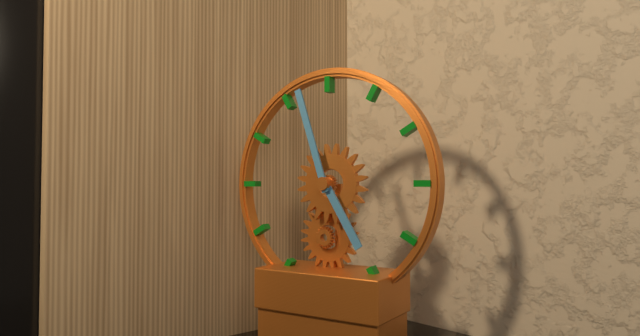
{"hour": 4, "minute": 57}
